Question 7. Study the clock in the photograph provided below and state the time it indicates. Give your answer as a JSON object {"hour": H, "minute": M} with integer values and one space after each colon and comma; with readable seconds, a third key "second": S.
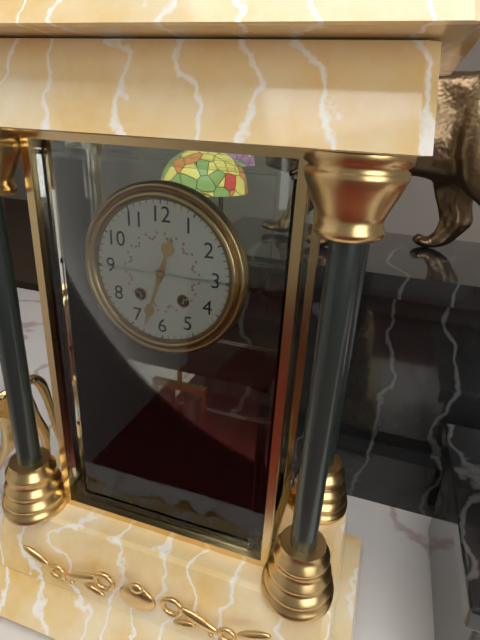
{"hour": 12, "minute": 33}
